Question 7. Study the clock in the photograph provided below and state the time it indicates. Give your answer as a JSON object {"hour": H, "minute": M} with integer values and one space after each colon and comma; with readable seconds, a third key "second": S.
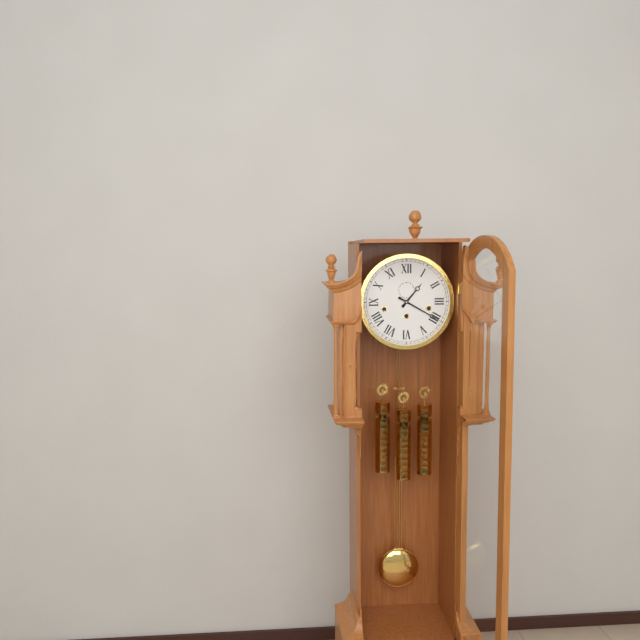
{"hour": 1, "minute": 20}
